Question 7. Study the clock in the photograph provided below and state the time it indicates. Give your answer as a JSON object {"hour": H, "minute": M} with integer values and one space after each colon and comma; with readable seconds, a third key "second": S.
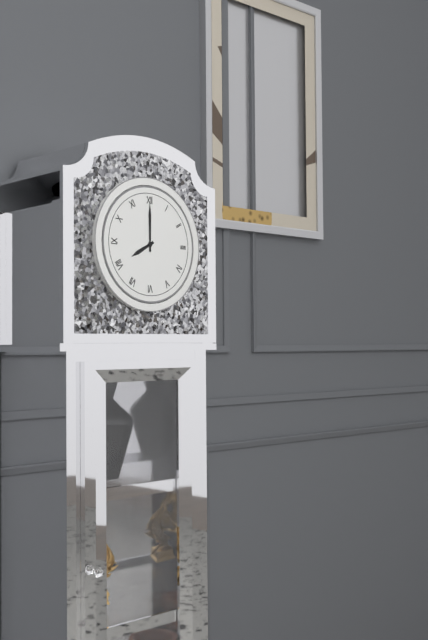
{"hour": 8, "minute": 0}
